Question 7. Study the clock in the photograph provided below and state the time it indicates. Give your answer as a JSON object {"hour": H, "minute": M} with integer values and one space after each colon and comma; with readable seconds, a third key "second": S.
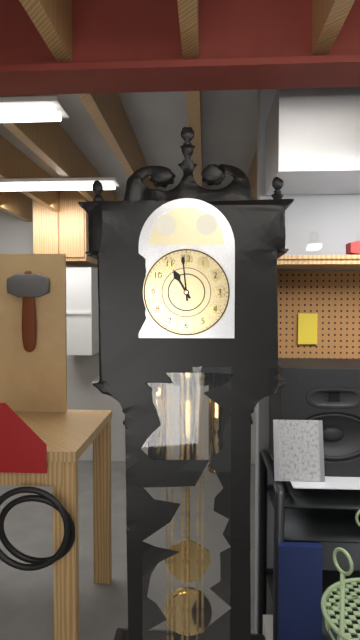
{"hour": 10, "minute": 59}
